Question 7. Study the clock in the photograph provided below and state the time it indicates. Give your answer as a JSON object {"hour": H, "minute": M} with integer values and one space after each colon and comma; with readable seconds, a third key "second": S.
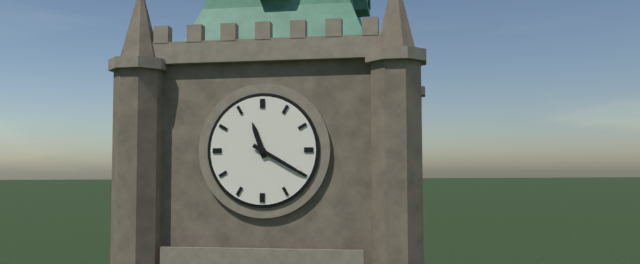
{"hour": 11, "minute": 20}
